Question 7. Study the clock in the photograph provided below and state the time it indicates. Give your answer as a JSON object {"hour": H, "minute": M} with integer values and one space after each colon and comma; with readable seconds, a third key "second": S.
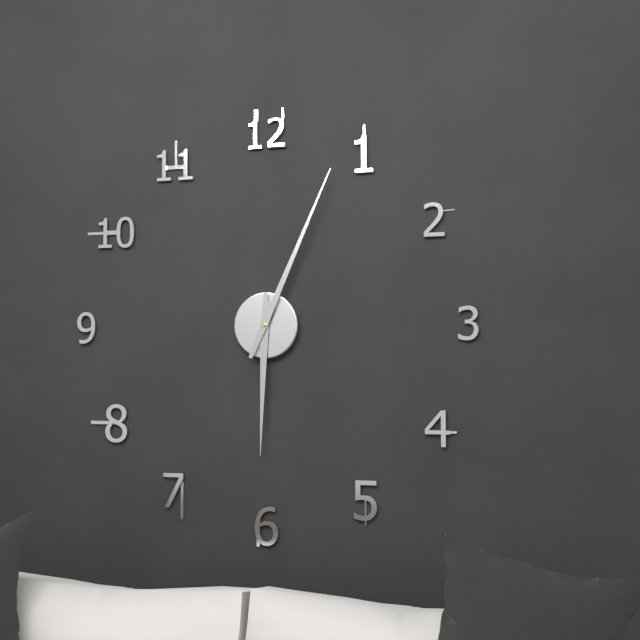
{"hour": 6, "minute": 4}
